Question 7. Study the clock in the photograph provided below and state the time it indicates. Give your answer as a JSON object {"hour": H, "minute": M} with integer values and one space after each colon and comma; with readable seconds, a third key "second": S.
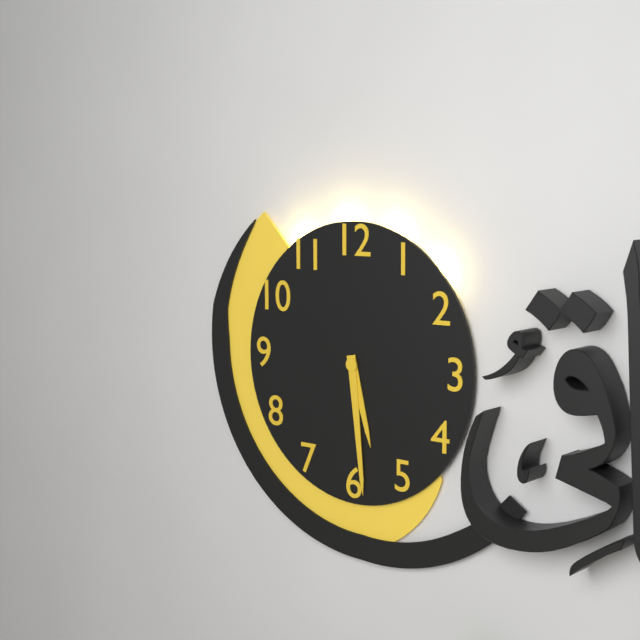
{"hour": 5, "minute": 29}
